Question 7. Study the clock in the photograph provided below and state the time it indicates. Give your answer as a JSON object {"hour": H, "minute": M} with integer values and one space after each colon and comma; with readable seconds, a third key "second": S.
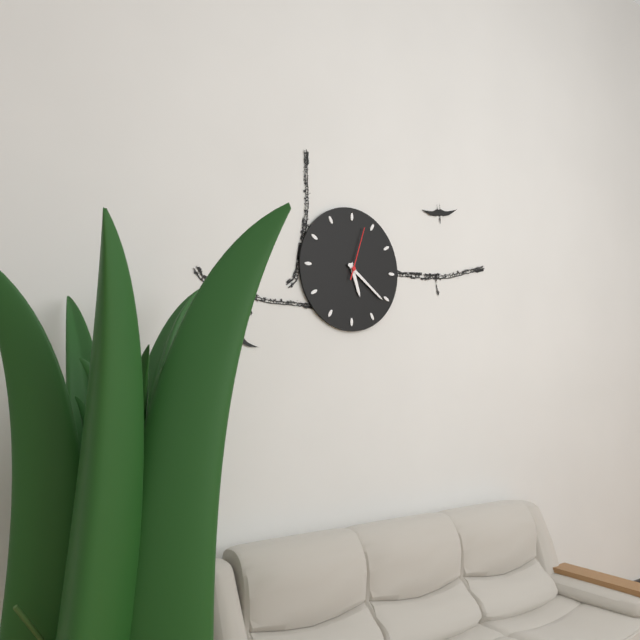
{"hour": 5, "minute": 21, "second": 3}
